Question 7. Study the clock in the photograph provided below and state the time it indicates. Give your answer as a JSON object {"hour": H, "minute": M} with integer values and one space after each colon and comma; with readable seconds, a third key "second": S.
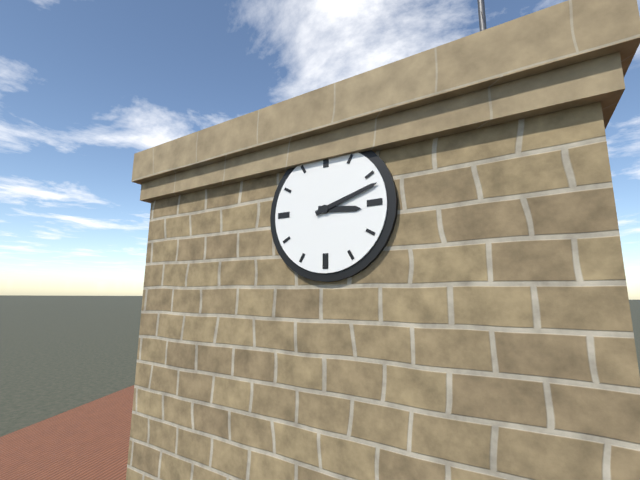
{"hour": 3, "minute": 12}
